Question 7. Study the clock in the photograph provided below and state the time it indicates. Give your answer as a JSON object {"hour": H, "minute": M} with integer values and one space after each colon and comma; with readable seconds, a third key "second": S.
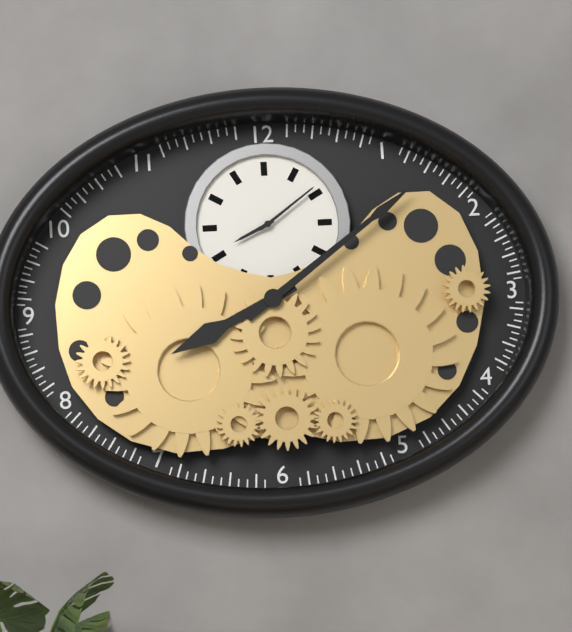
{"hour": 8, "minute": 9}
